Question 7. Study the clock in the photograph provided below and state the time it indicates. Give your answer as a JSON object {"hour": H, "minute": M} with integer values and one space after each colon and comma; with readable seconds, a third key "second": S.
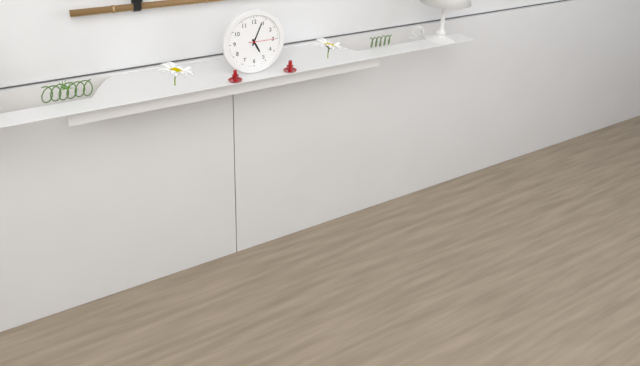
{"hour": 5, "minute": 4}
